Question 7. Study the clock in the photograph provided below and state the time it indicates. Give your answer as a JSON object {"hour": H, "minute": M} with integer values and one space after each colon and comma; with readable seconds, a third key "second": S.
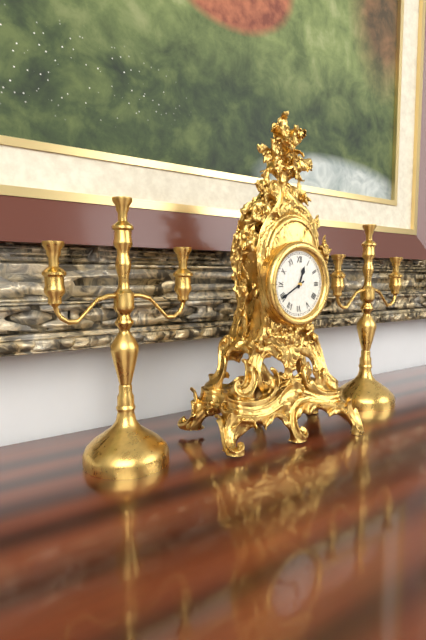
{"hour": 12, "minute": 40}
